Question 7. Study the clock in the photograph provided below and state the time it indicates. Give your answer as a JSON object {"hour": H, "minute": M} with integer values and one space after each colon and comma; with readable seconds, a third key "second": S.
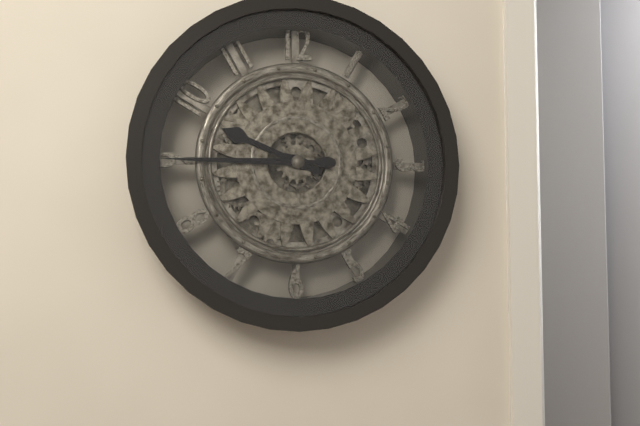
{"hour": 9, "minute": 45}
